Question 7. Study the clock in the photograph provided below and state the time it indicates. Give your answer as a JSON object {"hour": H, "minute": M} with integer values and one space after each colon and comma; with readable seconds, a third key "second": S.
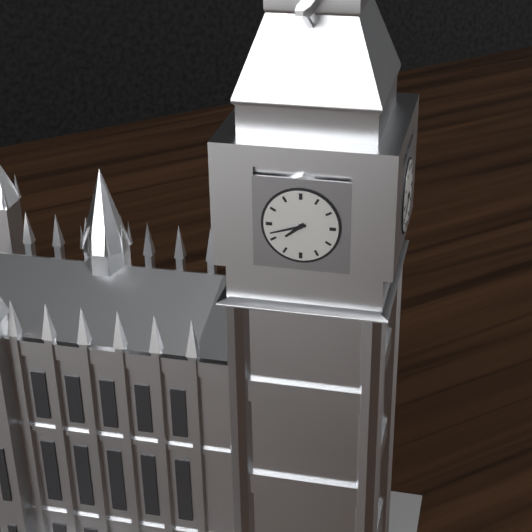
{"hour": 7, "minute": 42}
